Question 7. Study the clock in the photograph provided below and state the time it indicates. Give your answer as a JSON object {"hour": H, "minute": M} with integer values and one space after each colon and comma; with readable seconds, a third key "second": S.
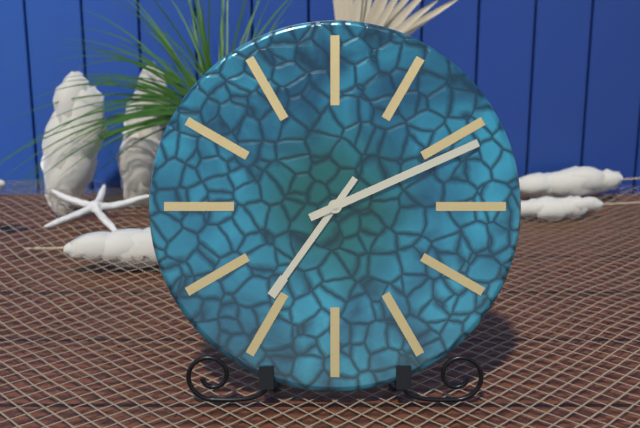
{"hour": 7, "minute": 11}
